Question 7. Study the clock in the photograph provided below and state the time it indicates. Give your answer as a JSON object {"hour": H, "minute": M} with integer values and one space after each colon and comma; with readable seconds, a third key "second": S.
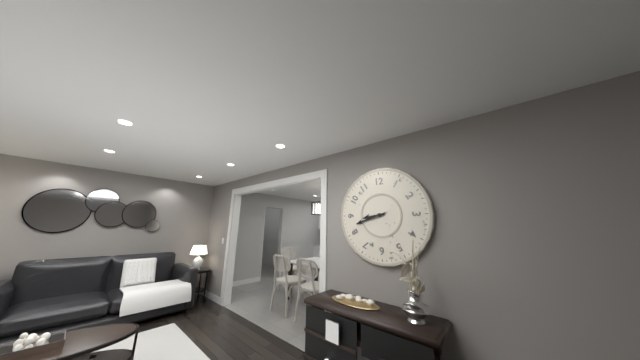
{"hour": 8, "minute": 42}
